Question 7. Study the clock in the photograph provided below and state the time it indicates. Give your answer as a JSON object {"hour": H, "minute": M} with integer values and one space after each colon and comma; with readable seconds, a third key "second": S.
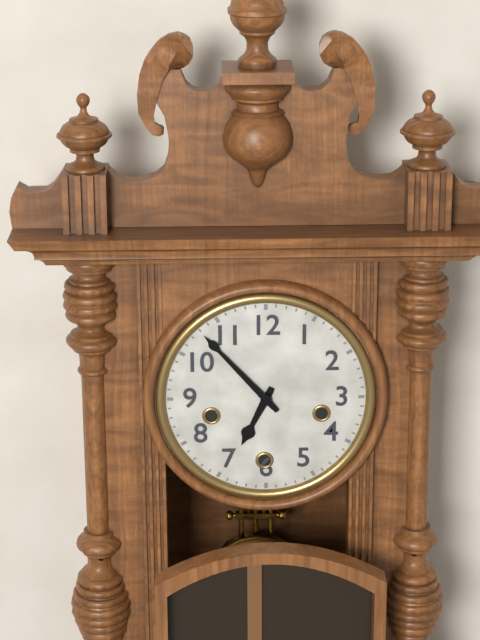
{"hour": 6, "minute": 53}
